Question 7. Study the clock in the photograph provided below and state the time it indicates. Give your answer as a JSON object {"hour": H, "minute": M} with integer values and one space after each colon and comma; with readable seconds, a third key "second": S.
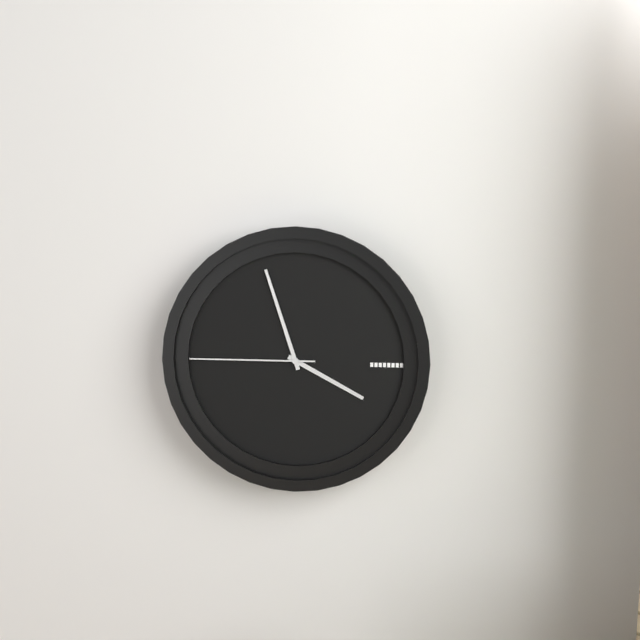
{"hour": 3, "minute": 57, "second": 45}
